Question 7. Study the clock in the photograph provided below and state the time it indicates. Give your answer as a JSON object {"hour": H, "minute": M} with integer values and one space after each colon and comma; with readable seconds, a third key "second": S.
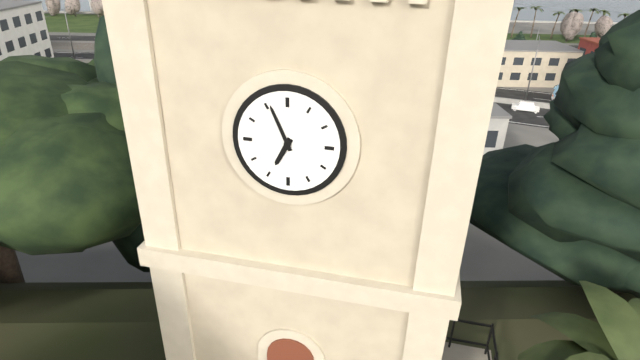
{"hour": 6, "minute": 56}
